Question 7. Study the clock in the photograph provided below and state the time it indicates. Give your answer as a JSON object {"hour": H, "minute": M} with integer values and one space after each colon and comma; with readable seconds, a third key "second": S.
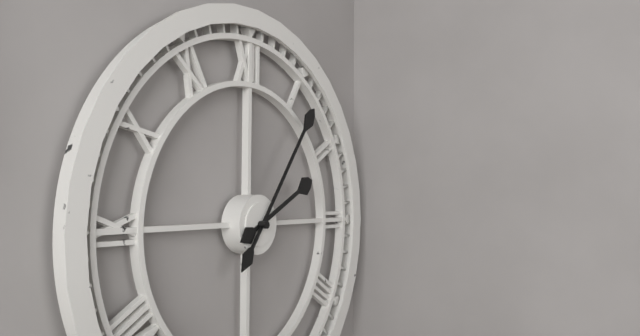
{"hour": 2, "minute": 6}
